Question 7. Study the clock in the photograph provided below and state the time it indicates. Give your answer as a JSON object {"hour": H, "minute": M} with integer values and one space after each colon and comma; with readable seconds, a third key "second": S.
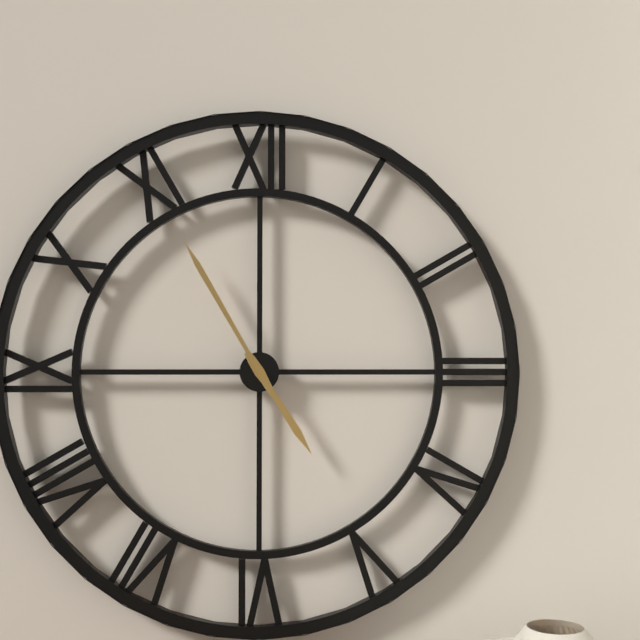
{"hour": 4, "minute": 55}
